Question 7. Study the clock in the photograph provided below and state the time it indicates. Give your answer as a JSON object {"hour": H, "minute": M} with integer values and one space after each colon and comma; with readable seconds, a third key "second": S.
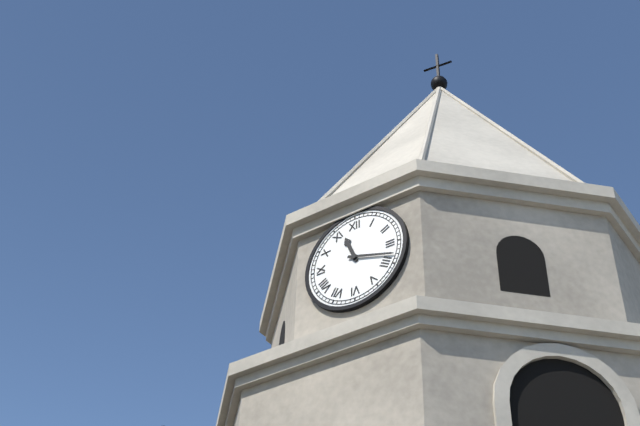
{"hour": 11, "minute": 18}
